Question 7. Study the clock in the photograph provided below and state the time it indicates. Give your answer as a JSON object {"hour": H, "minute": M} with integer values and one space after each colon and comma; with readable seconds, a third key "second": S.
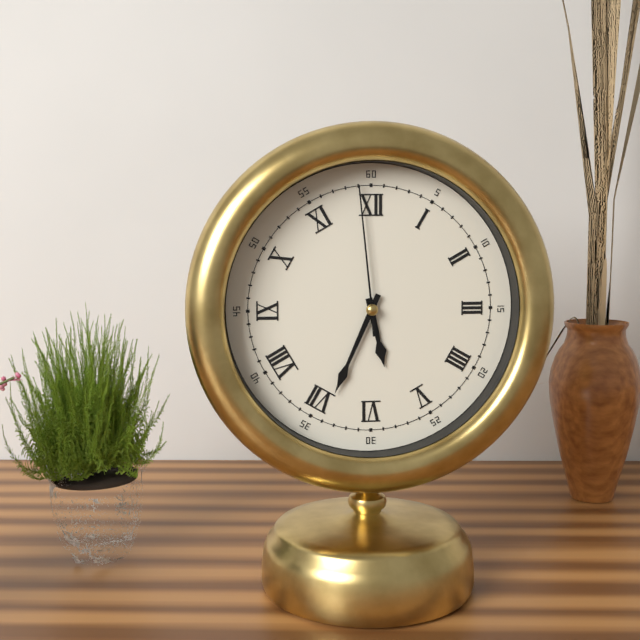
{"hour": 5, "minute": 34, "second": 59}
